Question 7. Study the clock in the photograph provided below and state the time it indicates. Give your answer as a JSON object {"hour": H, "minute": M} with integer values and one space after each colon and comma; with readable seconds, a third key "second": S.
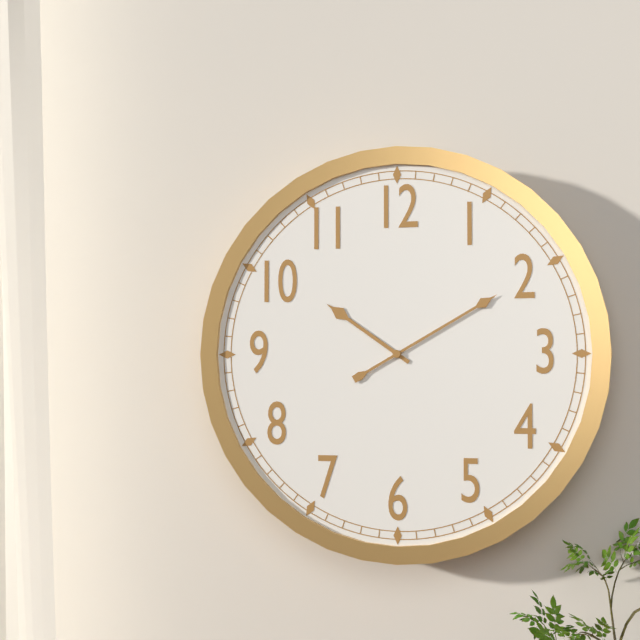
{"hour": 10, "minute": 10}
